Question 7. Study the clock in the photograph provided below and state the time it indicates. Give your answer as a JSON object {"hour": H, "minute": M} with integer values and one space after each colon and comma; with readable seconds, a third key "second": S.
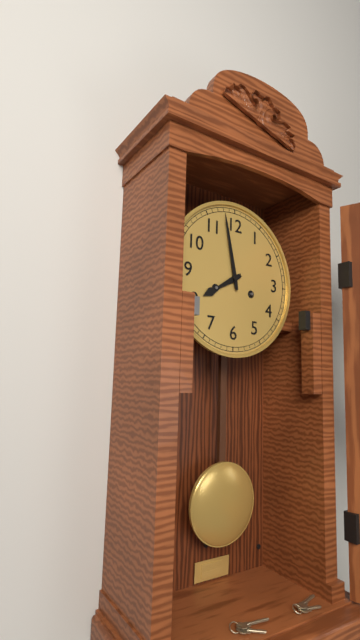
{"hour": 7, "minute": 58}
